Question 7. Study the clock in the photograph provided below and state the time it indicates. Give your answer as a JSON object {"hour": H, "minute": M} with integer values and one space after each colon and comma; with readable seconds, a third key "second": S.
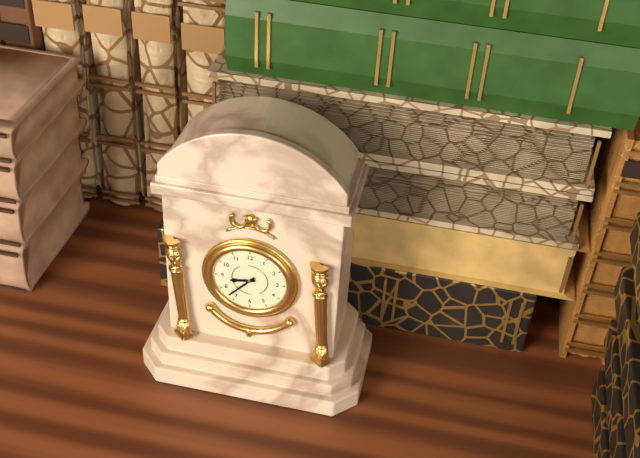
{"hour": 8, "minute": 37}
